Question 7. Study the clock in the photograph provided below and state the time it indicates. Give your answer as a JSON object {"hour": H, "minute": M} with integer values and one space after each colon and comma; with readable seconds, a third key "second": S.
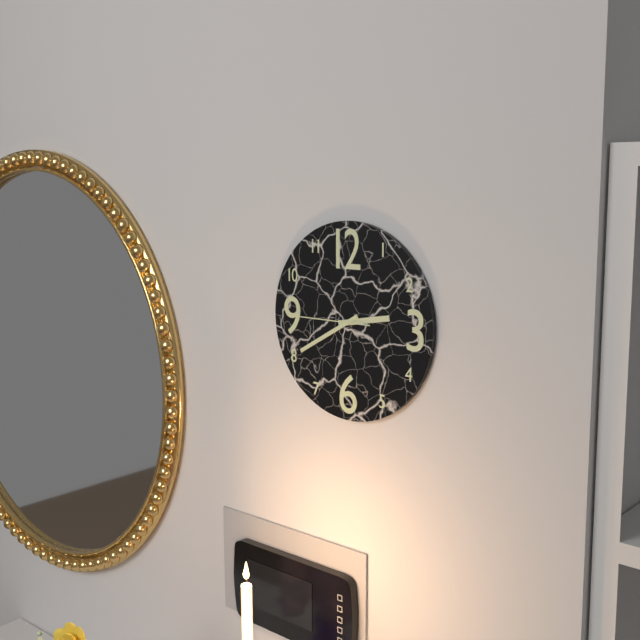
{"hour": 2, "minute": 40, "second": 45}
